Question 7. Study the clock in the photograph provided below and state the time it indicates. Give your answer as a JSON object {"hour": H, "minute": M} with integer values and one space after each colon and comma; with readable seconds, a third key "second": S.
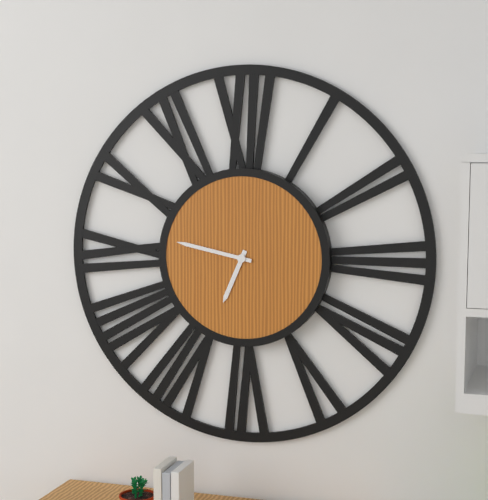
{"hour": 6, "minute": 47}
